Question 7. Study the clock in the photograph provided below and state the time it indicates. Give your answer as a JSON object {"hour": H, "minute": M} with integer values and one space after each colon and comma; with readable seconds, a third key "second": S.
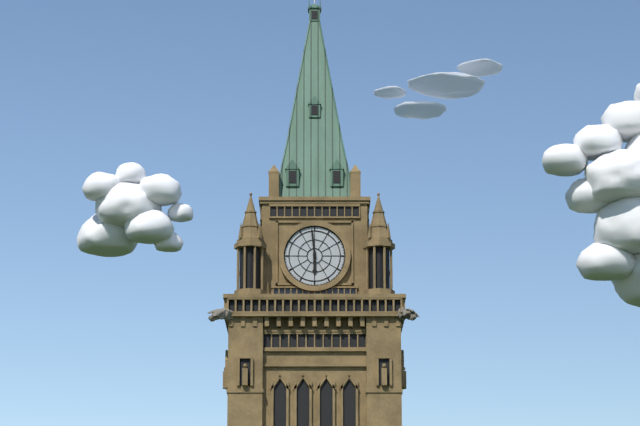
{"hour": 5, "minute": 59}
